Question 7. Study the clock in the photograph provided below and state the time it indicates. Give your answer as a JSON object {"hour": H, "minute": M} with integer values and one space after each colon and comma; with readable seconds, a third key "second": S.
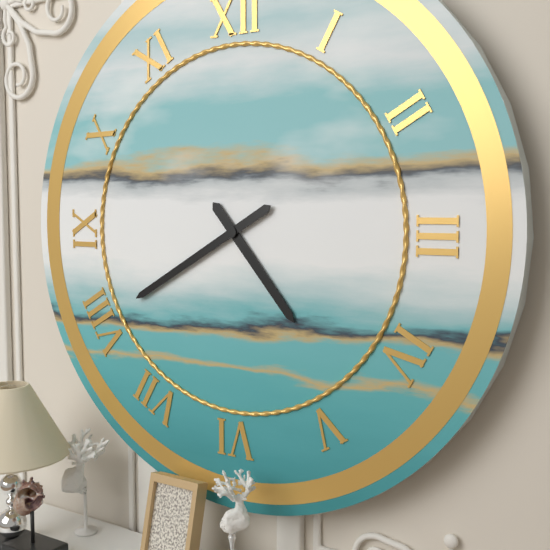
{"hour": 4, "minute": 40}
